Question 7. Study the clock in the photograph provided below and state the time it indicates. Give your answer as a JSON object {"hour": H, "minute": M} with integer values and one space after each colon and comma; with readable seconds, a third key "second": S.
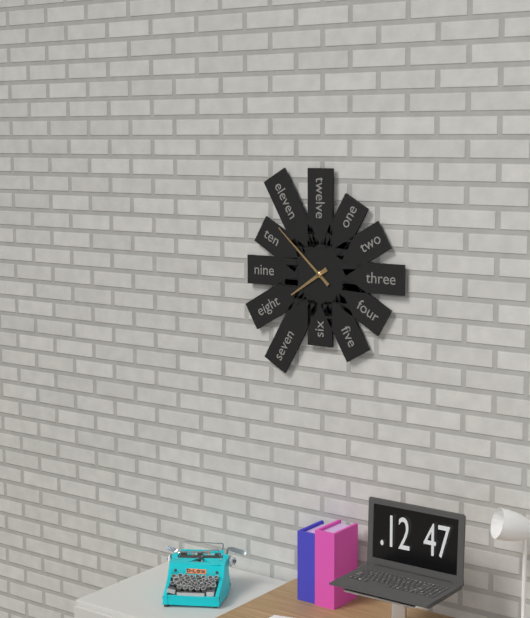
{"hour": 7, "minute": 52}
